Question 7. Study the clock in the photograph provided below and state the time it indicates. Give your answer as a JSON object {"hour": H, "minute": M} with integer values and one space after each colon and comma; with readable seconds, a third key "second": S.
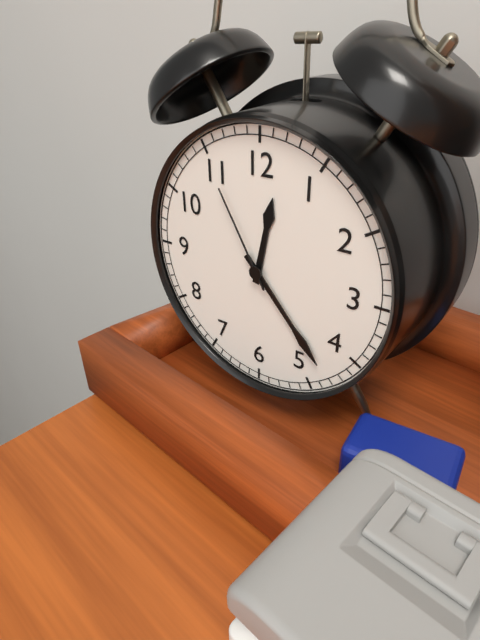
{"hour": 12, "minute": 23, "second": 55}
